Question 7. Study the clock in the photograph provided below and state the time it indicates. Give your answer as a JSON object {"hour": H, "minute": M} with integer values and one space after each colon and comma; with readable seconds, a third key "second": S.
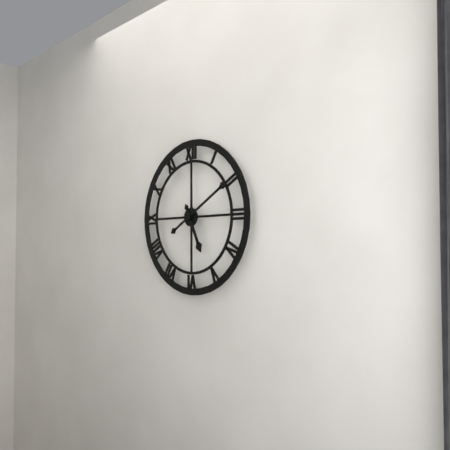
{"hour": 5, "minute": 10}
